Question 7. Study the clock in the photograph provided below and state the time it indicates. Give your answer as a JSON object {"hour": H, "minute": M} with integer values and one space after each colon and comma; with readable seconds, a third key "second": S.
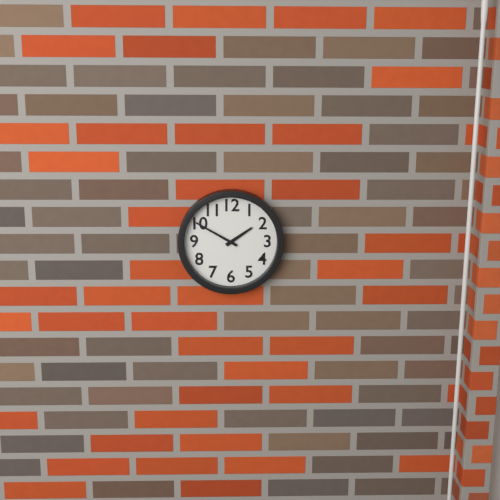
{"hour": 1, "minute": 50}
